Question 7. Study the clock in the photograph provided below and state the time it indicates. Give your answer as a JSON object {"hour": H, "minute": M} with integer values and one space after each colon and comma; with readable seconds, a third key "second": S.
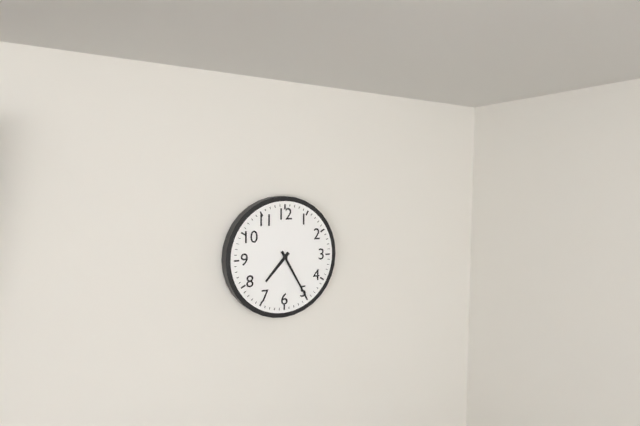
{"hour": 7, "minute": 25}
